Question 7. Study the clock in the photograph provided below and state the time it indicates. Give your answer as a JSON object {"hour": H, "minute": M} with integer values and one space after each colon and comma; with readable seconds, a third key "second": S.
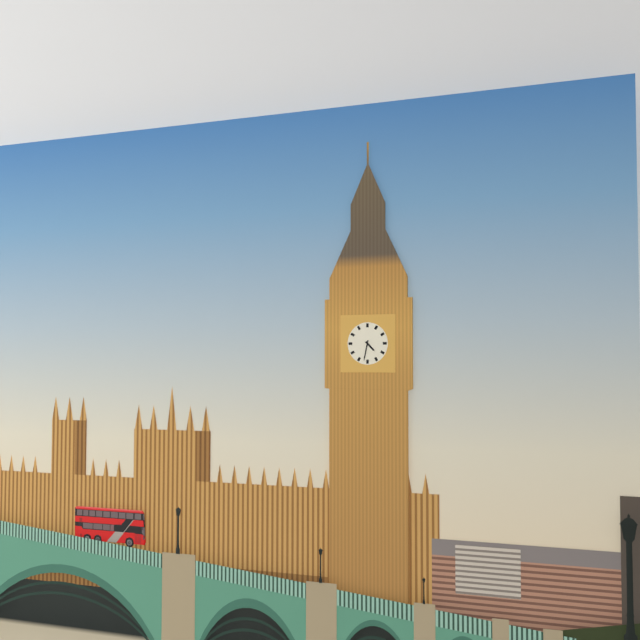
{"hour": 4, "minute": 32}
